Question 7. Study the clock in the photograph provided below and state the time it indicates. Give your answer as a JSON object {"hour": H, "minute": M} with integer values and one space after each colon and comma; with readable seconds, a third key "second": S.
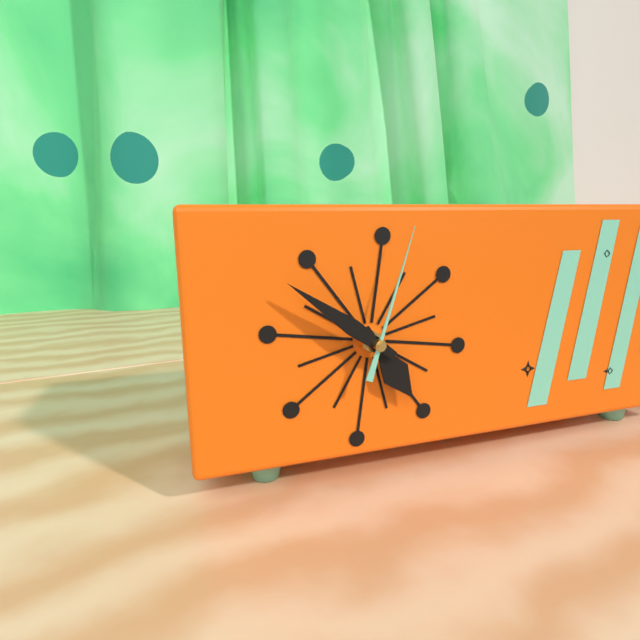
{"hour": 4, "minute": 51, "second": 3}
